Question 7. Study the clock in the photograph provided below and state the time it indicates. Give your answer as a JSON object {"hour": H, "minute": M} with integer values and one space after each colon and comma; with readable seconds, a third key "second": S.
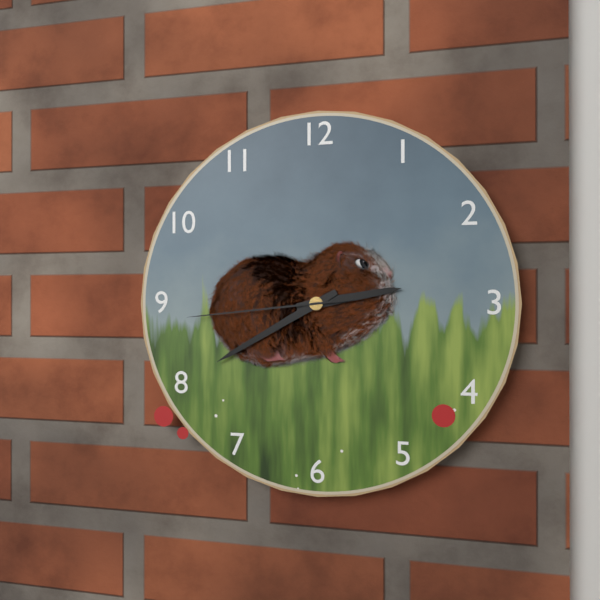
{"hour": 2, "minute": 40, "second": 44}
